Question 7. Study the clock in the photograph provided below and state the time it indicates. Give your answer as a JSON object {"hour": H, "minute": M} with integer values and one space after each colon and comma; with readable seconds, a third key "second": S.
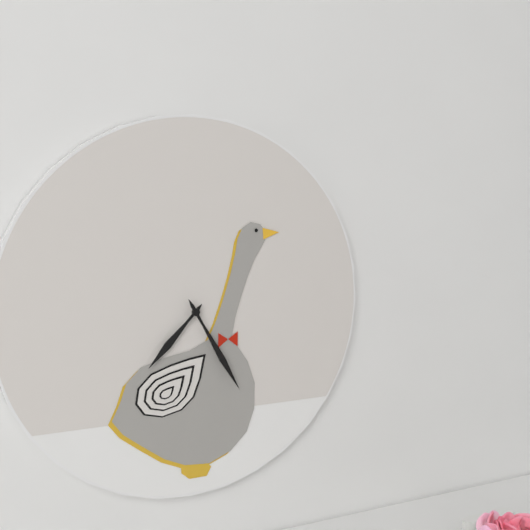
{"hour": 7, "minute": 25}
